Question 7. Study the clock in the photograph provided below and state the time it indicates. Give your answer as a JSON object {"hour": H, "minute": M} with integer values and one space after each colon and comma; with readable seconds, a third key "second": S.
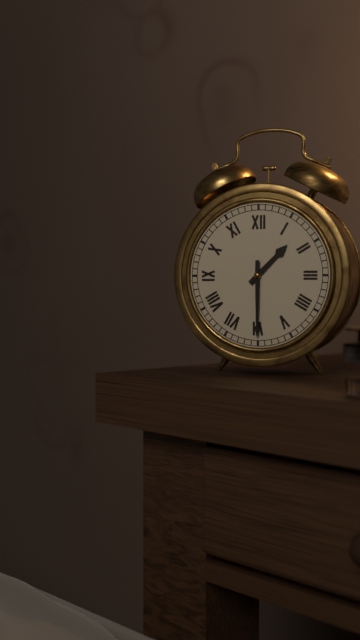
{"hour": 1, "minute": 30}
